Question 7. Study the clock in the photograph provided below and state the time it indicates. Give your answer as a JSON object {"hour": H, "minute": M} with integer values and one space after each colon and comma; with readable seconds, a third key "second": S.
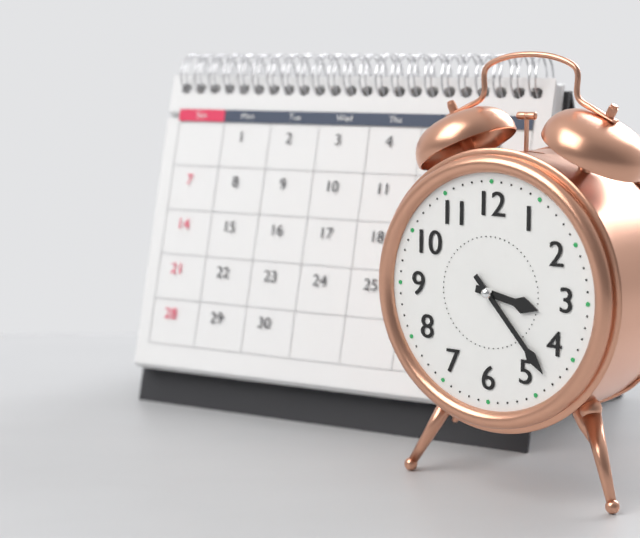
{"hour": 3, "minute": 23}
